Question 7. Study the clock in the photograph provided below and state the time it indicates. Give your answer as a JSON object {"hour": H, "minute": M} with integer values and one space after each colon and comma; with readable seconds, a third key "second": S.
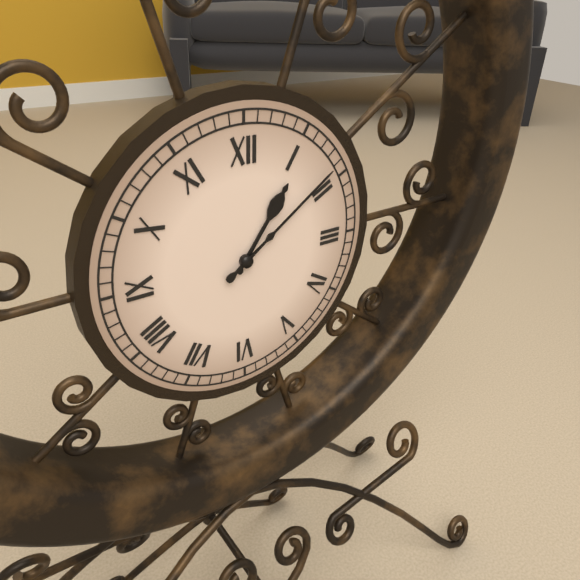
{"hour": 1, "minute": 9}
